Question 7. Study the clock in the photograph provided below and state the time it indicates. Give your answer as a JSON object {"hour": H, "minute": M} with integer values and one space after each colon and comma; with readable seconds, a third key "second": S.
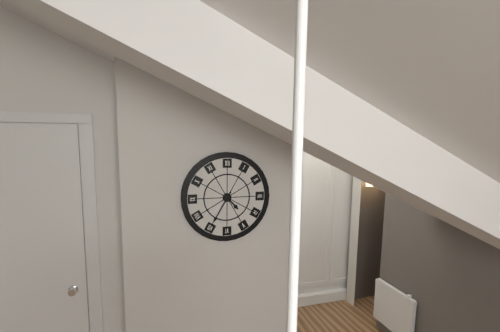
{"hour": 4, "minute": 35}
